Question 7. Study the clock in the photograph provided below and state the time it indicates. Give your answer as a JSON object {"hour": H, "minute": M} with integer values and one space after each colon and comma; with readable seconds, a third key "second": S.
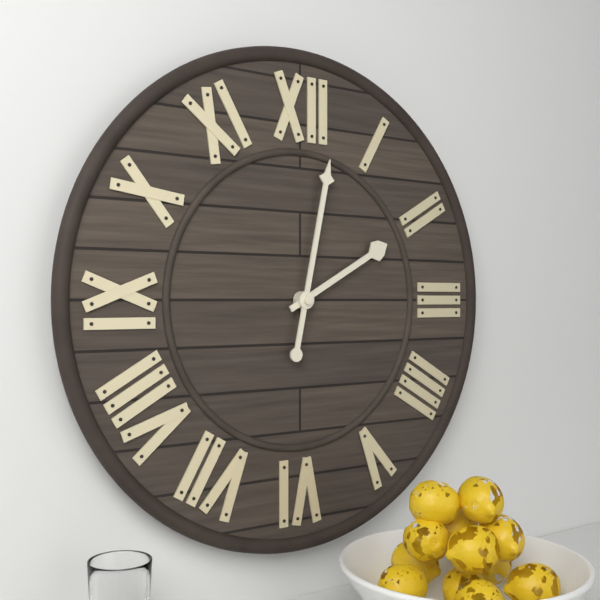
{"hour": 2, "minute": 2}
